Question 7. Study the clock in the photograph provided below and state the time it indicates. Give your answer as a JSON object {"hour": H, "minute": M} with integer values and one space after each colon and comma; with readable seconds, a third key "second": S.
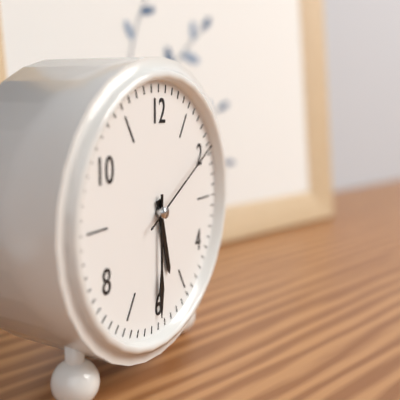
{"hour": 5, "minute": 30, "second": 10}
